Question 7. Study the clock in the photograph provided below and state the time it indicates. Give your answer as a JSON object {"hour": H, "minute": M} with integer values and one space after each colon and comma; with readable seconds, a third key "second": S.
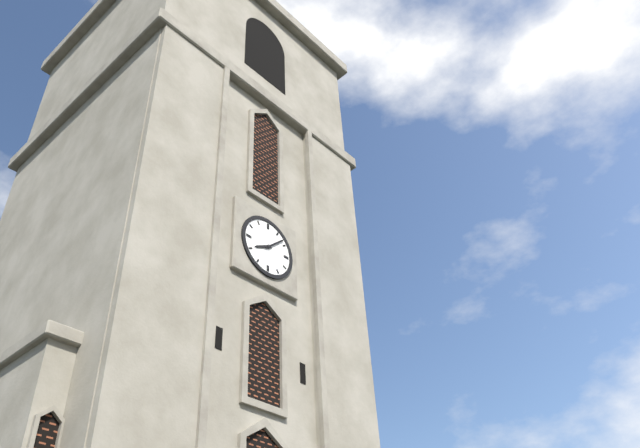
{"hour": 8, "minute": 8}
